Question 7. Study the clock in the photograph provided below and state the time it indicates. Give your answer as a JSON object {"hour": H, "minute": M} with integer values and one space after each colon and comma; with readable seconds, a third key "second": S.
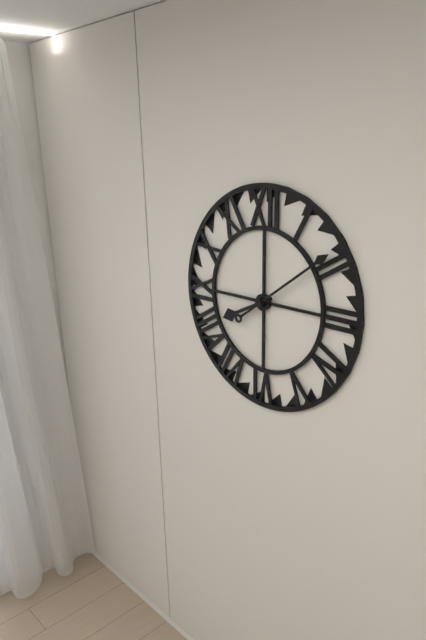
{"hour": 8, "minute": 9}
